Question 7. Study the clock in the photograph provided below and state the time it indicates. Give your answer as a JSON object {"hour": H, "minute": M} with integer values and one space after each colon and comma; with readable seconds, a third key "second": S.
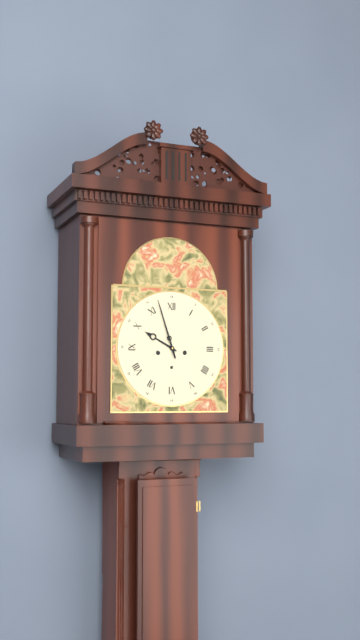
{"hour": 9, "minute": 57}
